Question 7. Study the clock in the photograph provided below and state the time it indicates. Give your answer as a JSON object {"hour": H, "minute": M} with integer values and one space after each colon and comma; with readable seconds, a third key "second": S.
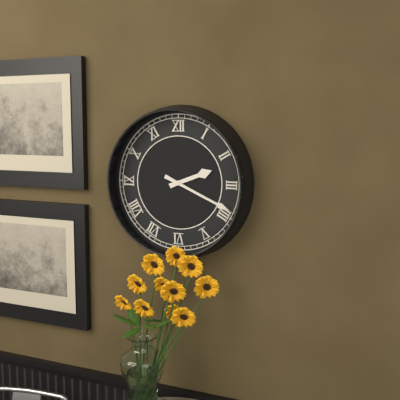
{"hour": 2, "minute": 19}
